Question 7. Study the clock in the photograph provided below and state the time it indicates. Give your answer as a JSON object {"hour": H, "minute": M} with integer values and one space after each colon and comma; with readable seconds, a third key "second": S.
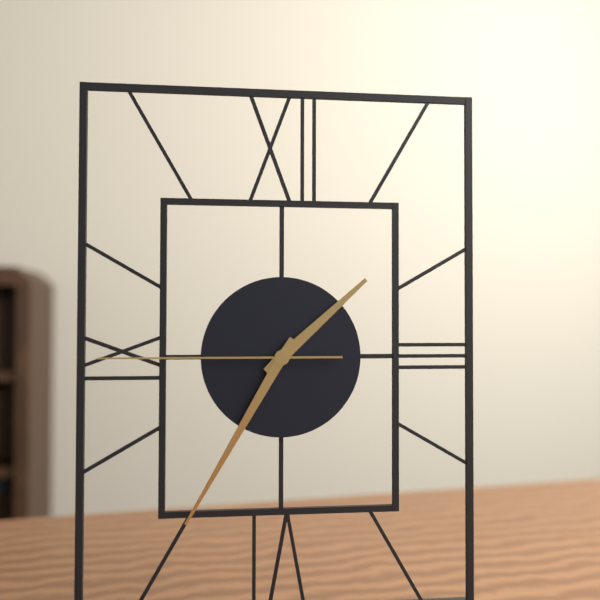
{"hour": 1, "minute": 35, "second": 45}
